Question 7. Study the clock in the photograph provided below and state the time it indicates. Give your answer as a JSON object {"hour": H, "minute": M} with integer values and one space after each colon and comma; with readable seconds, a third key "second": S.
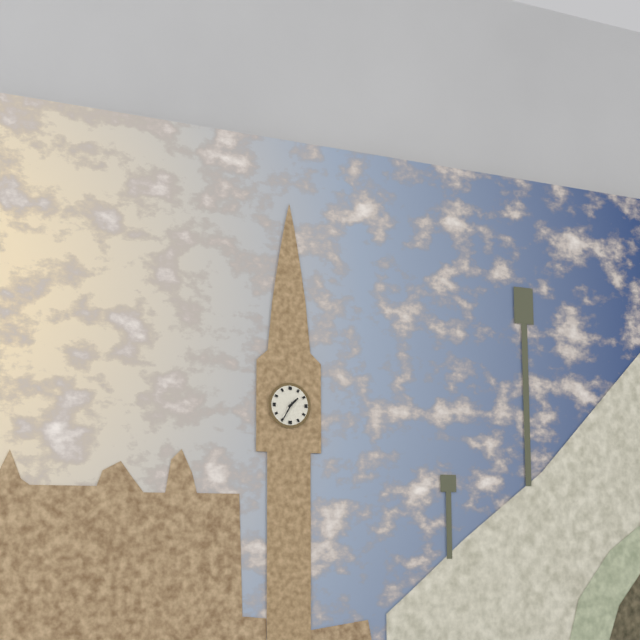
{"hour": 1, "minute": 35}
